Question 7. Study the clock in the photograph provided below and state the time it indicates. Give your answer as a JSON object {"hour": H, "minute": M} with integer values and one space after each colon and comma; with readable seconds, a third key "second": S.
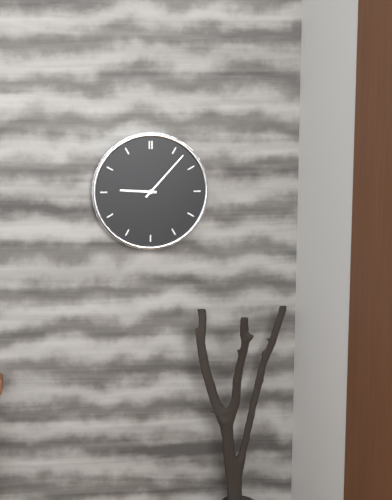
{"hour": 9, "minute": 7}
